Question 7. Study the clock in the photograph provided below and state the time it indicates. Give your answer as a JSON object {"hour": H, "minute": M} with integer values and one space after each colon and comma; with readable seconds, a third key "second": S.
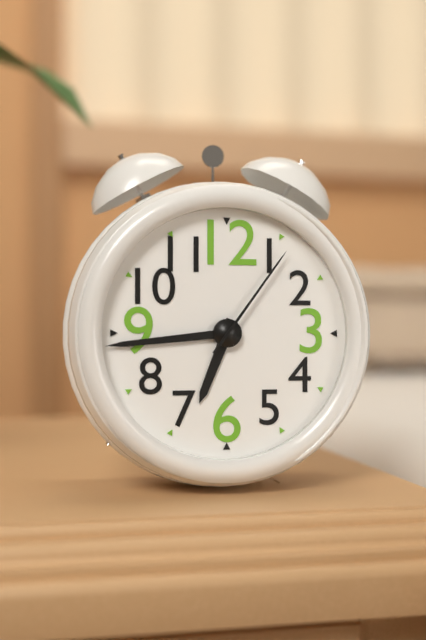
{"hour": 6, "minute": 44, "second": 6}
